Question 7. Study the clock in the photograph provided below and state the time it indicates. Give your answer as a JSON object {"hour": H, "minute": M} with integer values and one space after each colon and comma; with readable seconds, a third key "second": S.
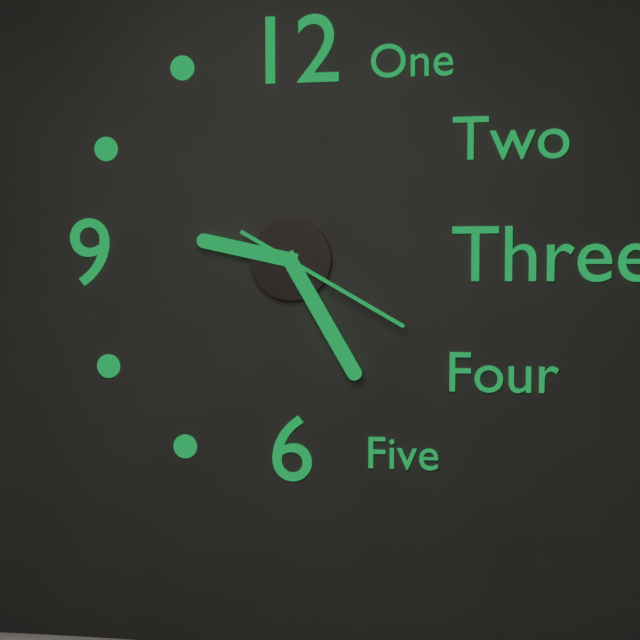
{"hour": 9, "minute": 25, "second": 20}
